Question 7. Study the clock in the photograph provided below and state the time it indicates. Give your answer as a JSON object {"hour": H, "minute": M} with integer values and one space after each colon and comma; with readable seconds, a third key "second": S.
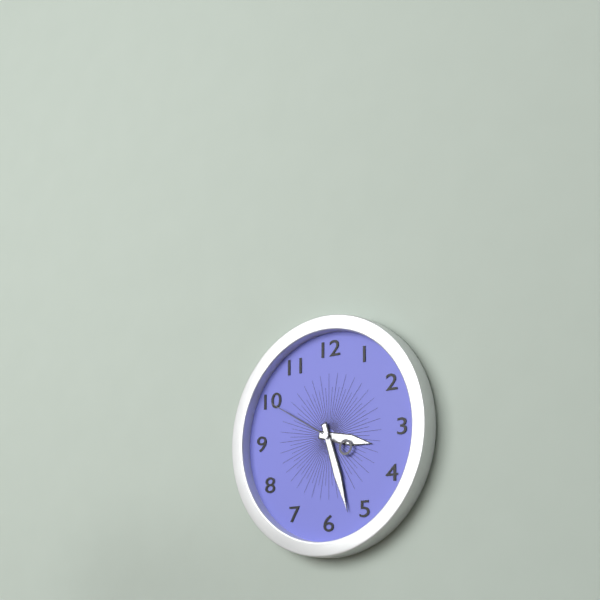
{"hour": 3, "minute": 27, "second": 50}
